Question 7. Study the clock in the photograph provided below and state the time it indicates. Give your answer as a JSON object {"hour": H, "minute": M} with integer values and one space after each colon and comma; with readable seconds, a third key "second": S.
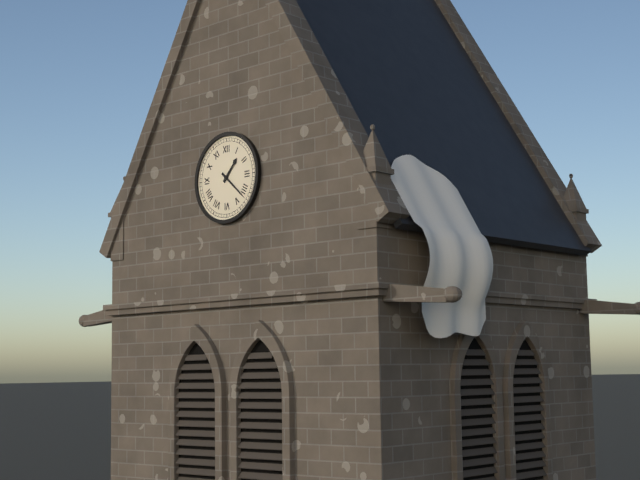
{"hour": 1, "minute": 22}
